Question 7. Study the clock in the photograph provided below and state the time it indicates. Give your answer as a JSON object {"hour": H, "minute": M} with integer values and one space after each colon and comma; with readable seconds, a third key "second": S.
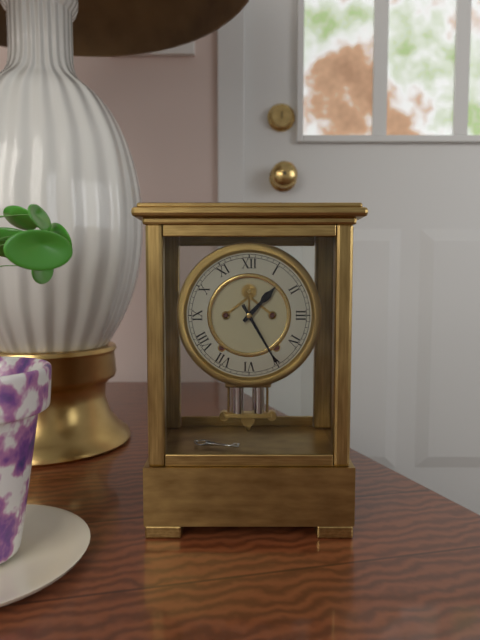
{"hour": 1, "minute": 25}
